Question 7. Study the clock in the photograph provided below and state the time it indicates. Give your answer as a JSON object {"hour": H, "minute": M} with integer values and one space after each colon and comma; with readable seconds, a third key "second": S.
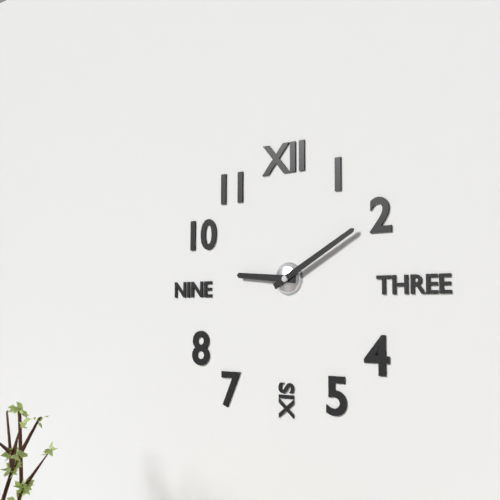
{"hour": 9, "minute": 10}
